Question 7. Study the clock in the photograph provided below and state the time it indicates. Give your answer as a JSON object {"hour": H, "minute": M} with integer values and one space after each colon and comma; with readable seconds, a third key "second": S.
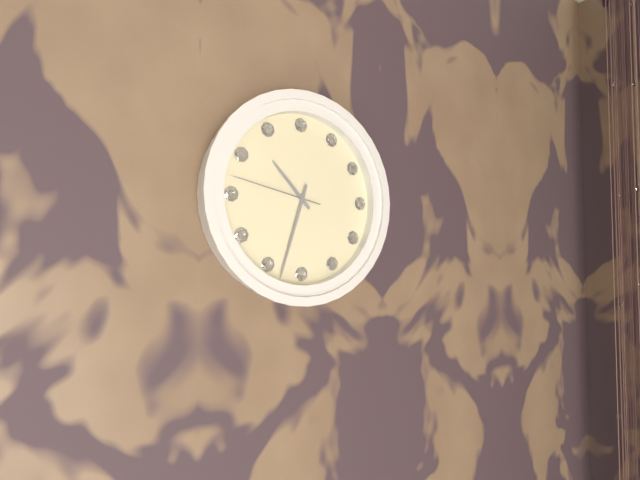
{"hour": 10, "minute": 33, "second": 47}
